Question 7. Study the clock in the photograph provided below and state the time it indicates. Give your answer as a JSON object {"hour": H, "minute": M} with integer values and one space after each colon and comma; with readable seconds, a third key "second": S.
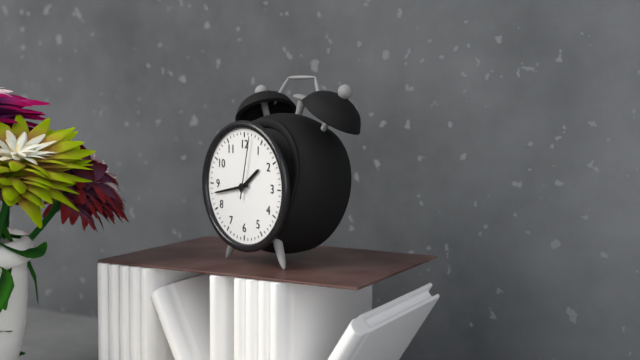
{"hour": 1, "minute": 43, "second": 2}
